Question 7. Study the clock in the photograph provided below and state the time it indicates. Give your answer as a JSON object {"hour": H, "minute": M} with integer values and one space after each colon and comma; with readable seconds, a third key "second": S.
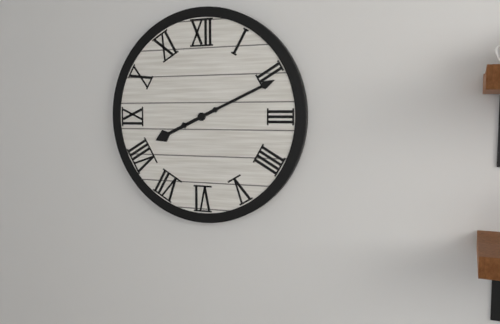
{"hour": 8, "minute": 11}
